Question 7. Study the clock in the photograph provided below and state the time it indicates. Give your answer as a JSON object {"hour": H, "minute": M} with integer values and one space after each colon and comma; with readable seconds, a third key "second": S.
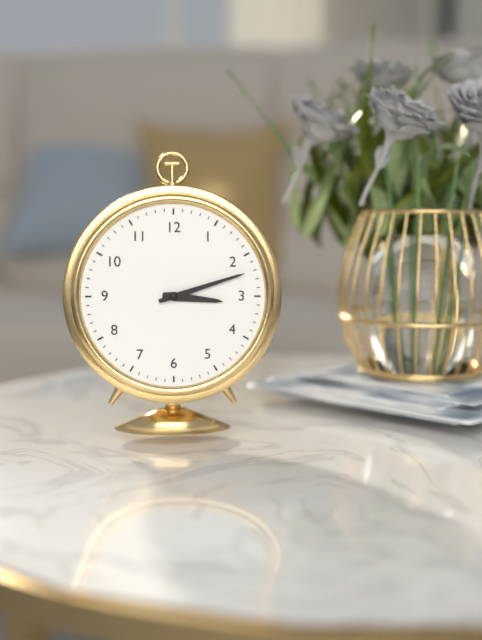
{"hour": 3, "minute": 12}
